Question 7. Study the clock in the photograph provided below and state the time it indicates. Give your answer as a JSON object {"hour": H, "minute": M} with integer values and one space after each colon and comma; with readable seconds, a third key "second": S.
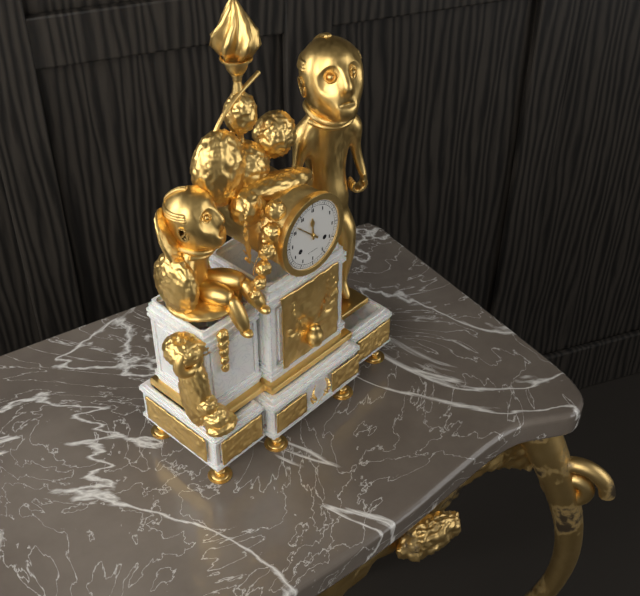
{"hour": 11, "minute": 52}
